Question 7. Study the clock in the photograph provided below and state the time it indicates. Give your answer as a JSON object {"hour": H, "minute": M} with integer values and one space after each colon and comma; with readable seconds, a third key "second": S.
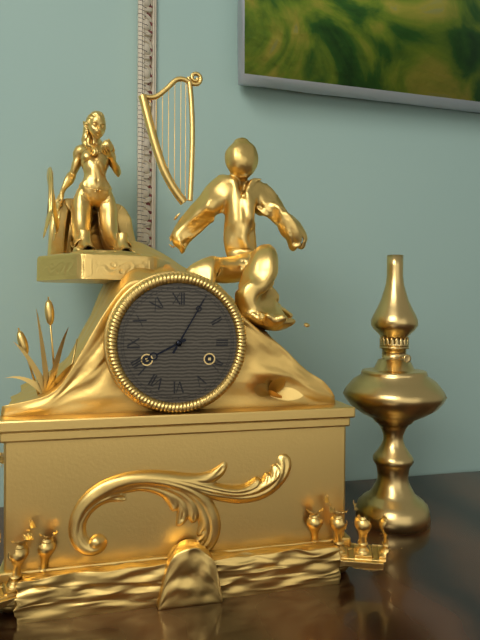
{"hour": 8, "minute": 5}
